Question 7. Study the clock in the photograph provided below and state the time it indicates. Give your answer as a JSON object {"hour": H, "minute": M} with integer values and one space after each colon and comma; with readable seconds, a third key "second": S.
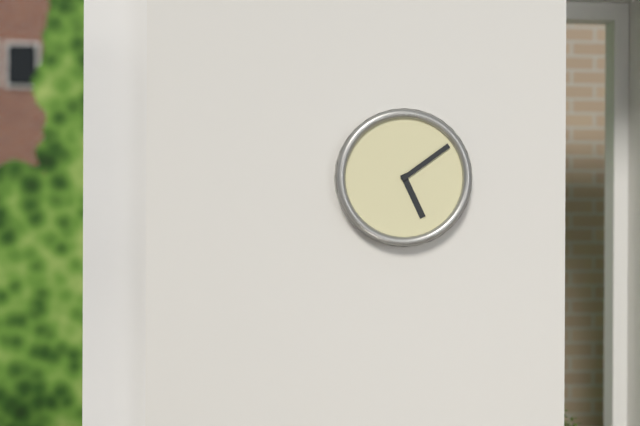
{"hour": 5, "minute": 9}
